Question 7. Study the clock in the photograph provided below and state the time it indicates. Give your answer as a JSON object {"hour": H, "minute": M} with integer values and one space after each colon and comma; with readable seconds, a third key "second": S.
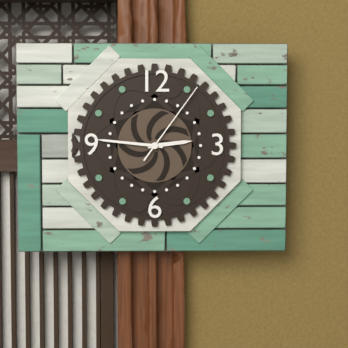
{"hour": 2, "minute": 46, "second": 6}
